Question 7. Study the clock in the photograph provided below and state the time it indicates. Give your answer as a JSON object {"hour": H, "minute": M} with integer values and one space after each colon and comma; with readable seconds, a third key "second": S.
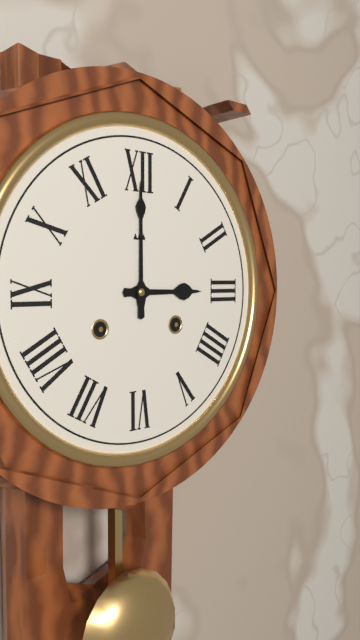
{"hour": 3, "minute": 0}
